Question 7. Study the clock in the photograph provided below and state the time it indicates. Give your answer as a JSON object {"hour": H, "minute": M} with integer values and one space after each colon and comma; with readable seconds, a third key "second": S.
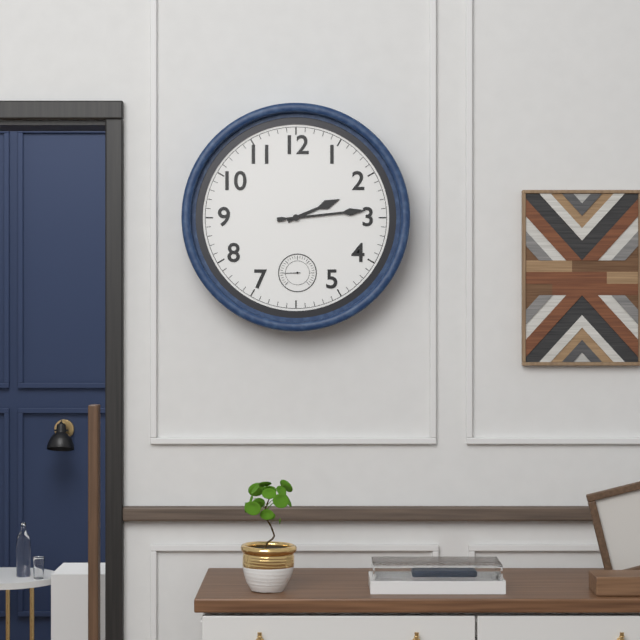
{"hour": 2, "minute": 14}
